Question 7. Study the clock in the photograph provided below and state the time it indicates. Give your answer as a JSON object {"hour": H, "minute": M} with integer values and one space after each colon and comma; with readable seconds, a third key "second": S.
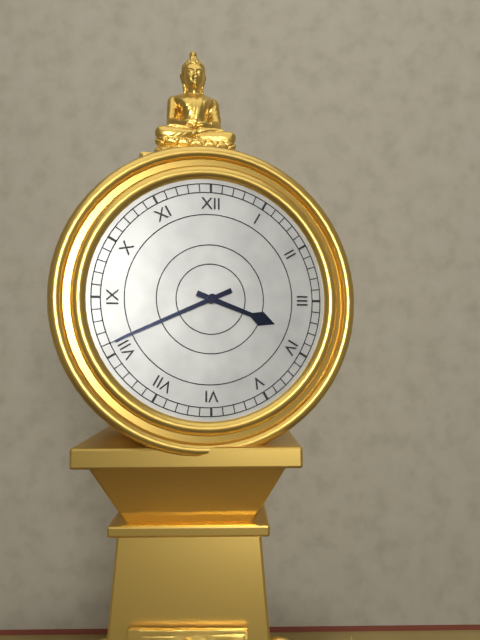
{"hour": 3, "minute": 41}
